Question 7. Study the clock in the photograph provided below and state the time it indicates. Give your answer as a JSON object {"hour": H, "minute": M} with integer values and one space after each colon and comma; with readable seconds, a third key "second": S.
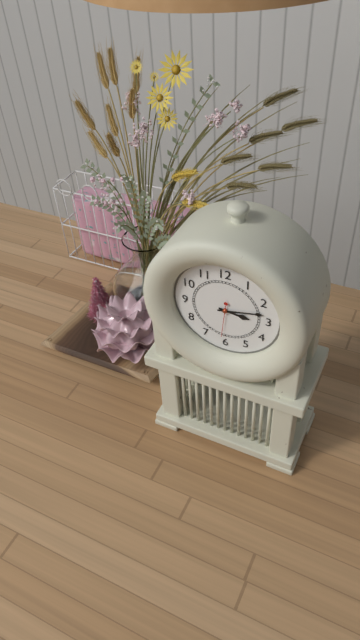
{"hour": 3, "minute": 13}
